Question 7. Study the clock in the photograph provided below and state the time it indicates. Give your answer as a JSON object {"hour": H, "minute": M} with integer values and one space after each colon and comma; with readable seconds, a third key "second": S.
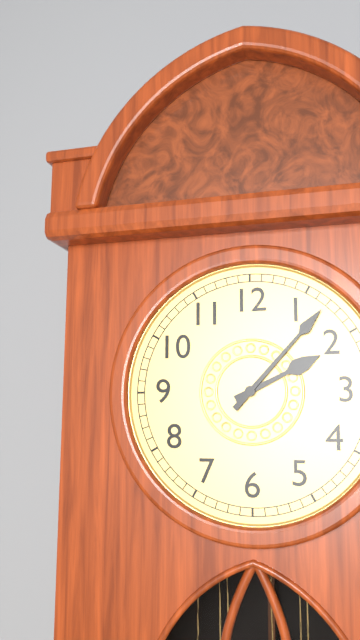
{"hour": 2, "minute": 7}
